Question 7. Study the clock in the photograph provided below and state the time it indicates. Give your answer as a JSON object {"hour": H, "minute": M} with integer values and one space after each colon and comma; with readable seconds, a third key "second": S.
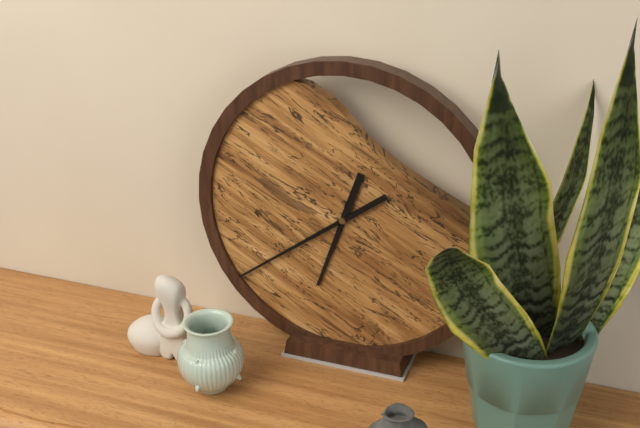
{"hour": 6, "minute": 39}
